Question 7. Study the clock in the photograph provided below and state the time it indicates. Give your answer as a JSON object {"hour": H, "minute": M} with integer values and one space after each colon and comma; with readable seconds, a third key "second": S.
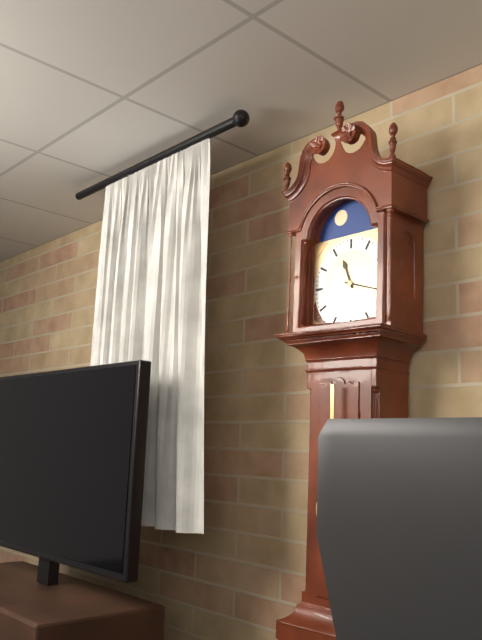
{"hour": 11, "minute": 18}
